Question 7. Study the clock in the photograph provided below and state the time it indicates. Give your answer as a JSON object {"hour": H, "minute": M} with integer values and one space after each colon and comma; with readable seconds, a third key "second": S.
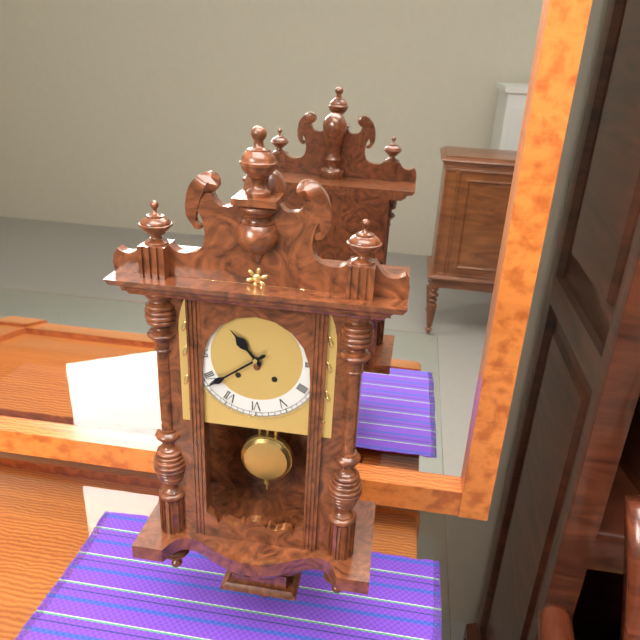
{"hour": 10, "minute": 39}
